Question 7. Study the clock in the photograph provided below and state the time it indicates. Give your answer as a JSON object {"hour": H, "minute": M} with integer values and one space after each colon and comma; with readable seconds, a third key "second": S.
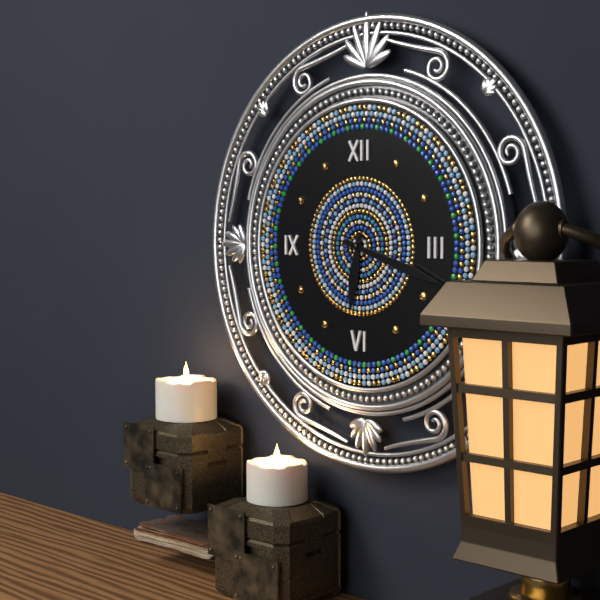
{"hour": 6, "minute": 18}
